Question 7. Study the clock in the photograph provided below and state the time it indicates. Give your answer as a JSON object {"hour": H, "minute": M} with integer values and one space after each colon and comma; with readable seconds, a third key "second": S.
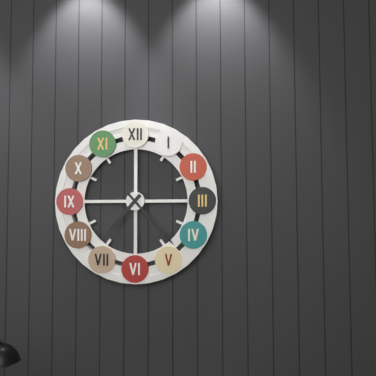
{"hour": 7, "minute": 23}
